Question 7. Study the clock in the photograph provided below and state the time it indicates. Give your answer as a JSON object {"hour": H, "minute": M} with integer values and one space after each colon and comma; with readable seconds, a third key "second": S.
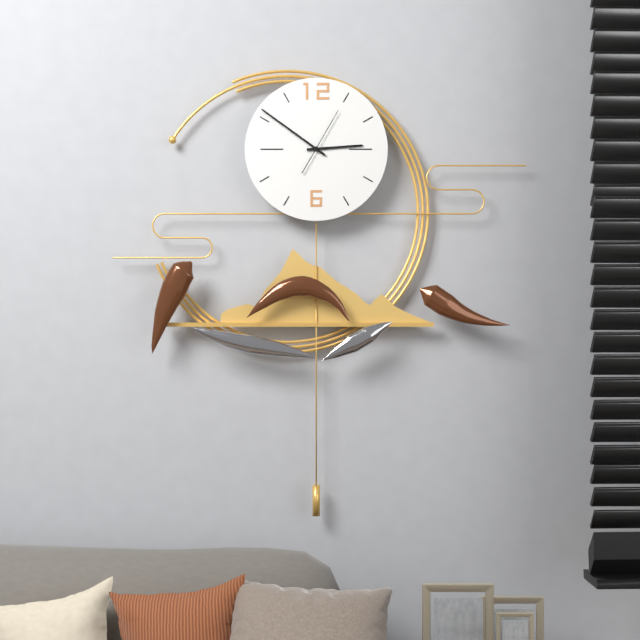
{"hour": 2, "minute": 51, "second": 5}
